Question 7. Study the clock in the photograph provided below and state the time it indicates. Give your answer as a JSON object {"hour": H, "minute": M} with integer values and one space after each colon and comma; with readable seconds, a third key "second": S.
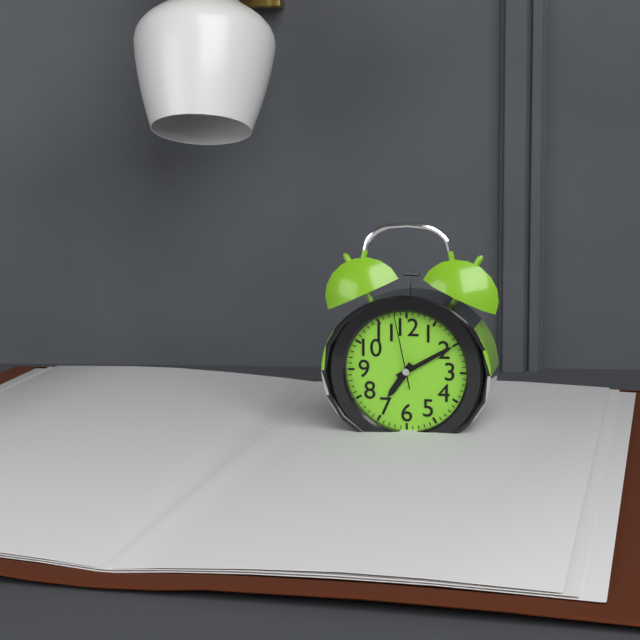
{"hour": 7, "minute": 10, "second": 58}
